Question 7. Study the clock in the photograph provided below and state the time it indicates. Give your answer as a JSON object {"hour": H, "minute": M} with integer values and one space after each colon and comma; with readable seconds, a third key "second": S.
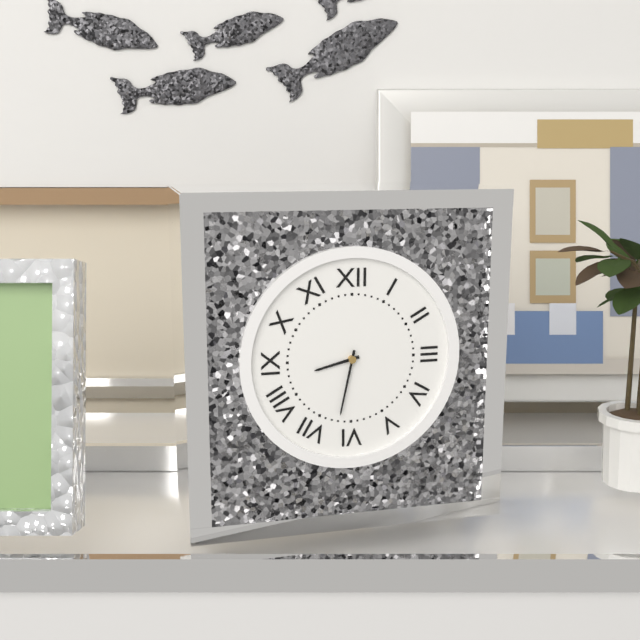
{"hour": 8, "minute": 32}
